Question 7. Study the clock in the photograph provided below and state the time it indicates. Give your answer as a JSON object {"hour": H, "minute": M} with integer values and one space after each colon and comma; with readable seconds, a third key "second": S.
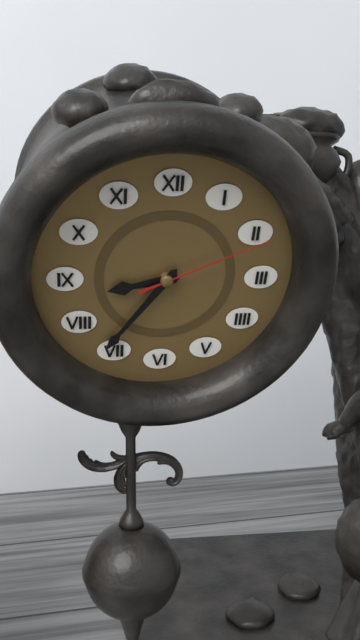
{"hour": 8, "minute": 36, "second": 11}
